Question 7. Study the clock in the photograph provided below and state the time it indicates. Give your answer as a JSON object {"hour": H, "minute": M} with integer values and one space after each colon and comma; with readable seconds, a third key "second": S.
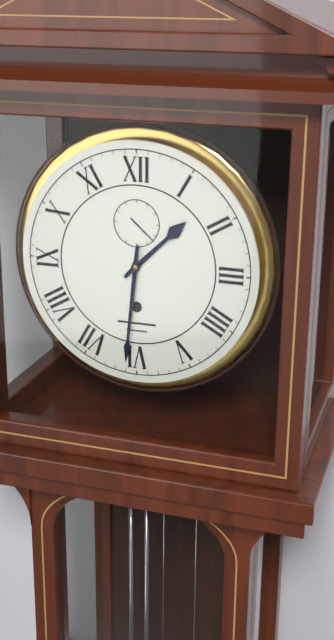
{"hour": 1, "minute": 31}
